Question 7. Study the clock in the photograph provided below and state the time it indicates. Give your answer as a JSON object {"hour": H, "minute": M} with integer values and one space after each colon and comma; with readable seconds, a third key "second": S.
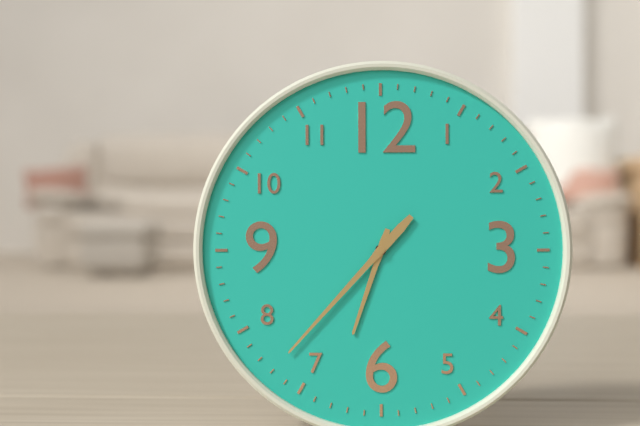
{"hour": 6, "minute": 37}
